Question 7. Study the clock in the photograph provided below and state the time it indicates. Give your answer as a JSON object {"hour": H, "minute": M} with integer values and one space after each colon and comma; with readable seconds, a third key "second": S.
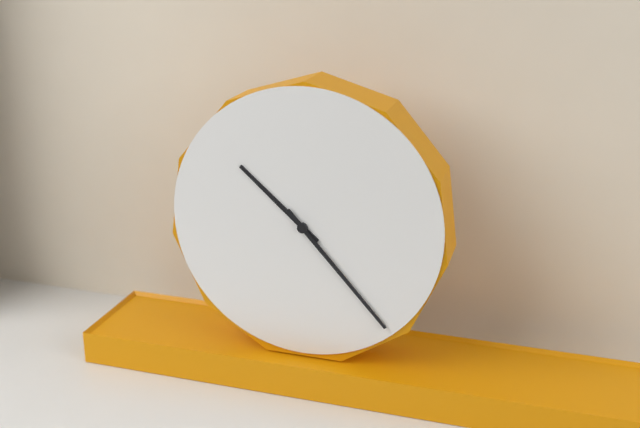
{"hour": 10, "minute": 23}
